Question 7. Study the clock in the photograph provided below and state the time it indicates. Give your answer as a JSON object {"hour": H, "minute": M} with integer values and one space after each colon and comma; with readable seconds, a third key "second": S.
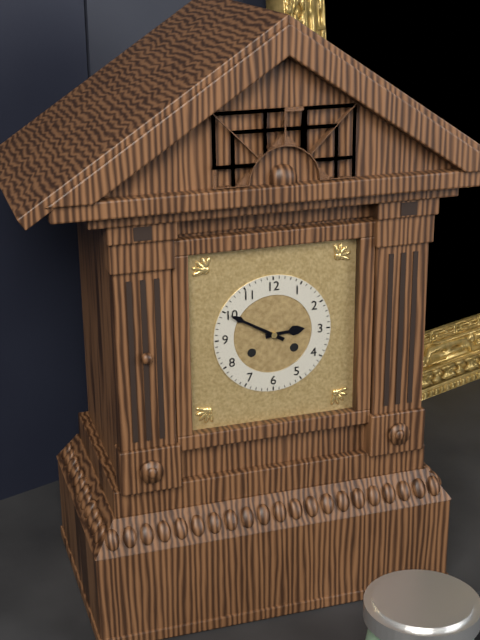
{"hour": 2, "minute": 50}
